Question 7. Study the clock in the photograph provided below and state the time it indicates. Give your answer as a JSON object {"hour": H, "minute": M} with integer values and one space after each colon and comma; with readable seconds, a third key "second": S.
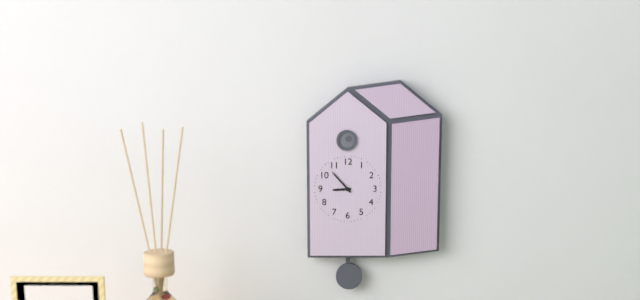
{"hour": 8, "minute": 53}
